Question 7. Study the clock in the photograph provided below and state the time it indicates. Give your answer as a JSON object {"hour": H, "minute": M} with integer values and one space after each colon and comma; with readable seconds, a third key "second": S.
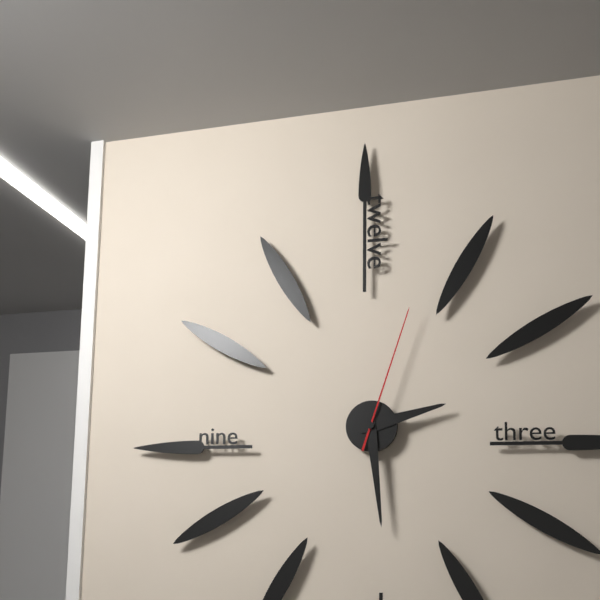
{"hour": 2, "minute": 29, "second": 3}
